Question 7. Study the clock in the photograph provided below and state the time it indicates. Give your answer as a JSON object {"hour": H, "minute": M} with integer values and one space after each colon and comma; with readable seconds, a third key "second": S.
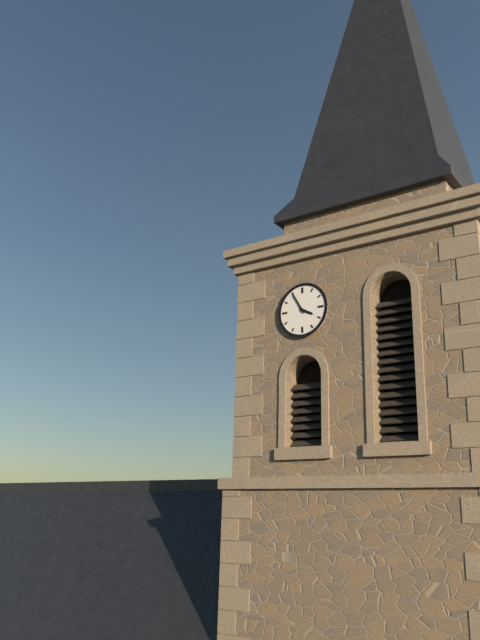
{"hour": 3, "minute": 55}
